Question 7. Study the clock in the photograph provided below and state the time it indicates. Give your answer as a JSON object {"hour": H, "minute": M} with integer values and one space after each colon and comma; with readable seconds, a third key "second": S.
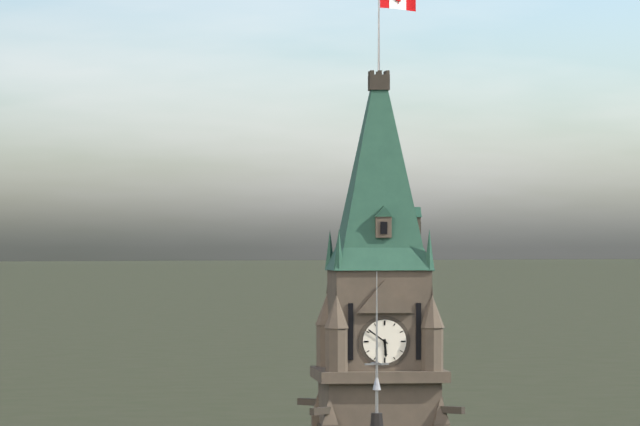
{"hour": 5, "minute": 51}
